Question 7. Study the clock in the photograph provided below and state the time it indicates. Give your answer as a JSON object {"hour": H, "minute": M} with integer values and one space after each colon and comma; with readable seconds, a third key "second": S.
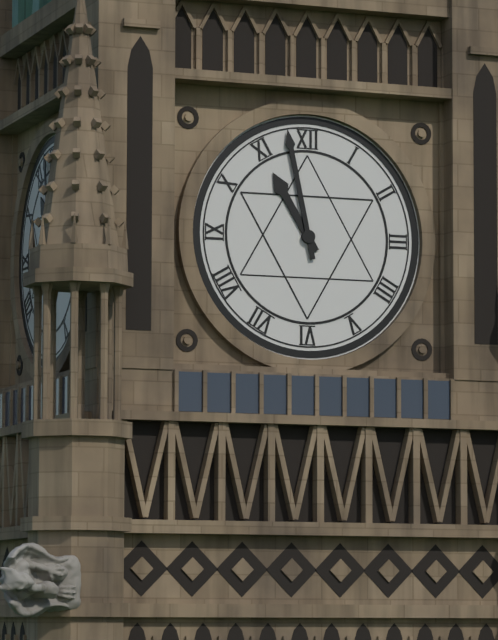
{"hour": 10, "minute": 58}
